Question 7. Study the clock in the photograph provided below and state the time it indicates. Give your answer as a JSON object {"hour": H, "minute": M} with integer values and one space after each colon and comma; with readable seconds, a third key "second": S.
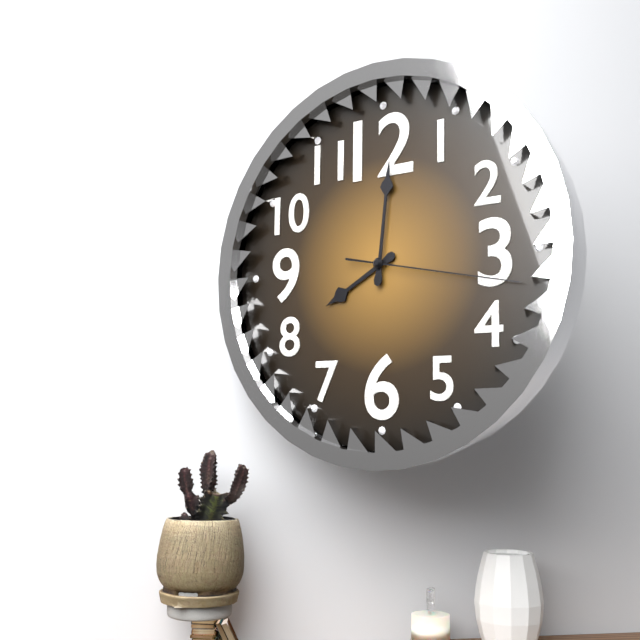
{"hour": 8, "minute": 1, "second": 17}
